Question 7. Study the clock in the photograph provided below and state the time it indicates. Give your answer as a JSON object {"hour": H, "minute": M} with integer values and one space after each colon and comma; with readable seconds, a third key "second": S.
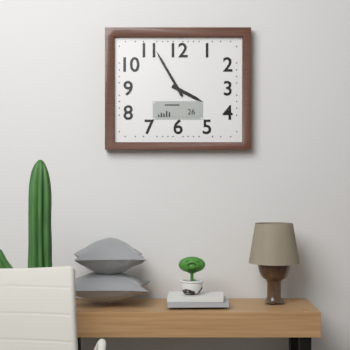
{"hour": 3, "minute": 55}
